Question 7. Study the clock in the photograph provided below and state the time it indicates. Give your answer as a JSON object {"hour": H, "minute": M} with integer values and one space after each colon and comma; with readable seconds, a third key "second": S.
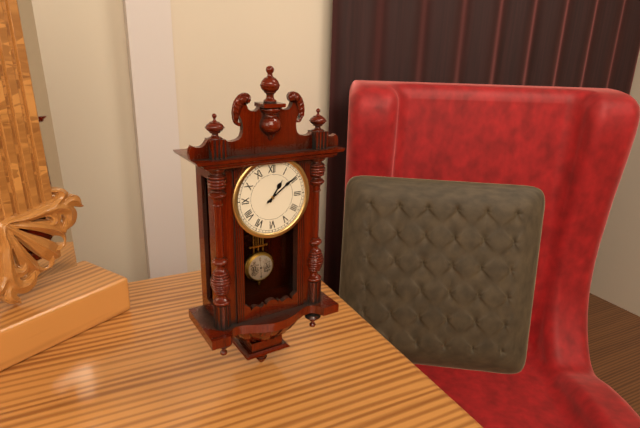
{"hour": 1, "minute": 9}
